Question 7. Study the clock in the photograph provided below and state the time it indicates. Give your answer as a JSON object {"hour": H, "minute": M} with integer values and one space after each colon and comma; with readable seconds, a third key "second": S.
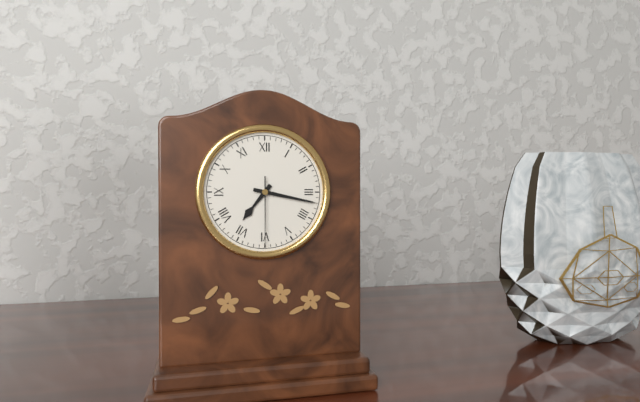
{"hour": 7, "minute": 17, "second": 30}
